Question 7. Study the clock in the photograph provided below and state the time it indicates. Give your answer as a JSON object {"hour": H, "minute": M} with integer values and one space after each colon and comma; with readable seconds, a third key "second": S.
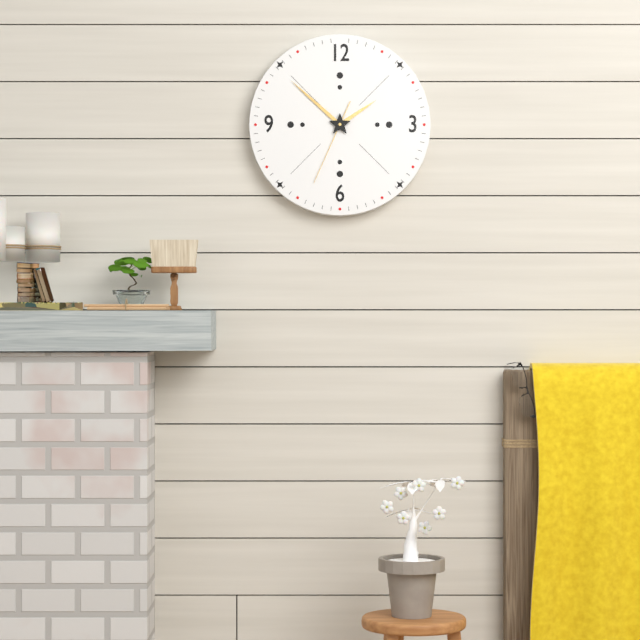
{"hour": 1, "minute": 52, "second": 34}
